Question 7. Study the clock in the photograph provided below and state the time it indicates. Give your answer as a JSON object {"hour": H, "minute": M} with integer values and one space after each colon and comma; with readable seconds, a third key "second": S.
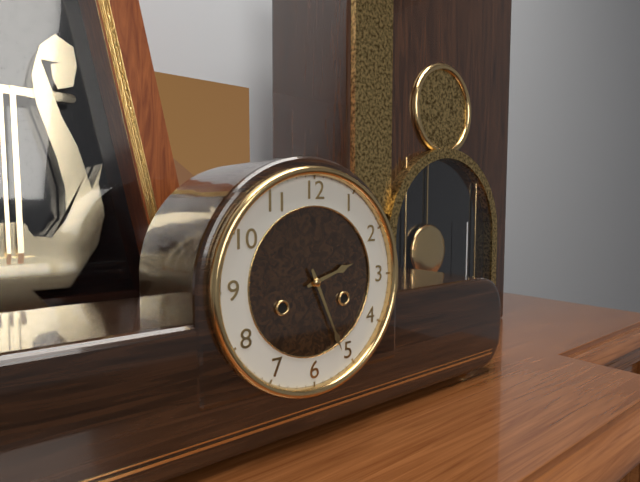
{"hour": 2, "minute": 26}
